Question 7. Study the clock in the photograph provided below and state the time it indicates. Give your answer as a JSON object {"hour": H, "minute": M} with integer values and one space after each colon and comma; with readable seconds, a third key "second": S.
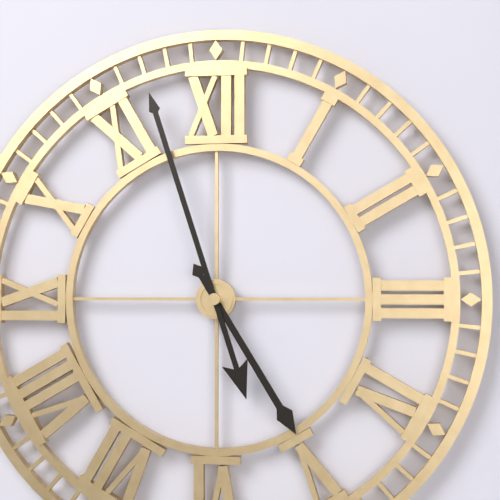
{"hour": 4, "minute": 57}
